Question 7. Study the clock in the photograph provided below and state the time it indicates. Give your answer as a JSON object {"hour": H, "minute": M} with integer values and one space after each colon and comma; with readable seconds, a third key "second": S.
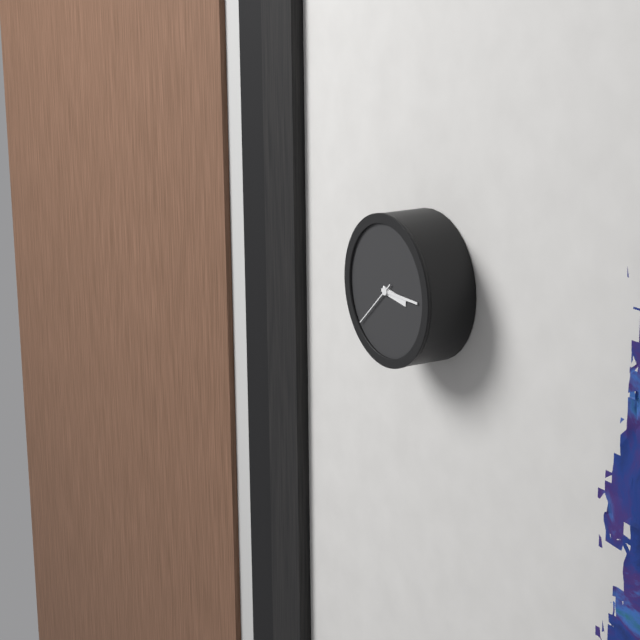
{"hour": 3, "minute": 15}
